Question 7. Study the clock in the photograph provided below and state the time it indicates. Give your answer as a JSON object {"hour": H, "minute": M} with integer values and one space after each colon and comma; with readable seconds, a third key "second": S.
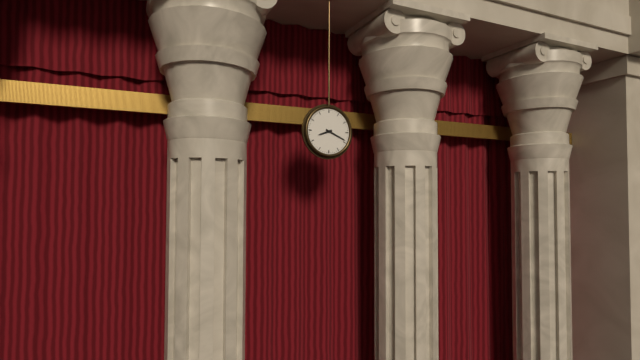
{"hour": 8, "minute": 19}
